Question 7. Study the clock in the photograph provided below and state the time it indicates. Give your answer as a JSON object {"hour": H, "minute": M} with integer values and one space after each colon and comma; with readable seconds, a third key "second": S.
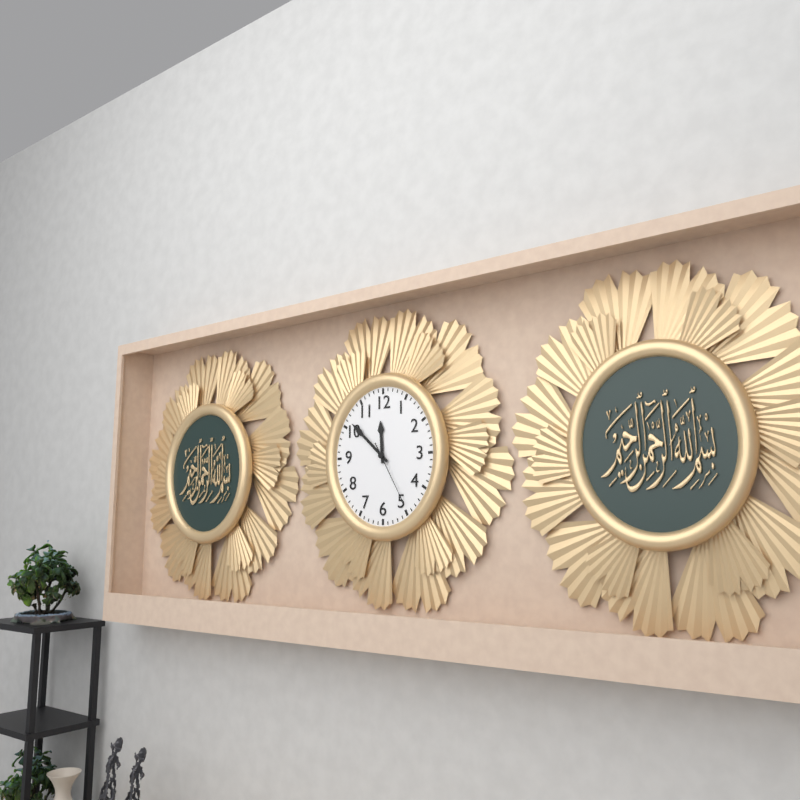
{"hour": 11, "minute": 52, "second": 25}
